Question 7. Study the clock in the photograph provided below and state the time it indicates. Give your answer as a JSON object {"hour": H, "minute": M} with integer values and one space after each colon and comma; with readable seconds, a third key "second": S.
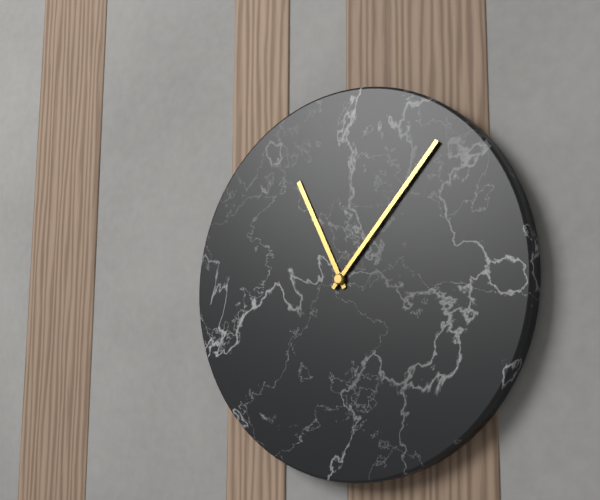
{"hour": 11, "minute": 7}
